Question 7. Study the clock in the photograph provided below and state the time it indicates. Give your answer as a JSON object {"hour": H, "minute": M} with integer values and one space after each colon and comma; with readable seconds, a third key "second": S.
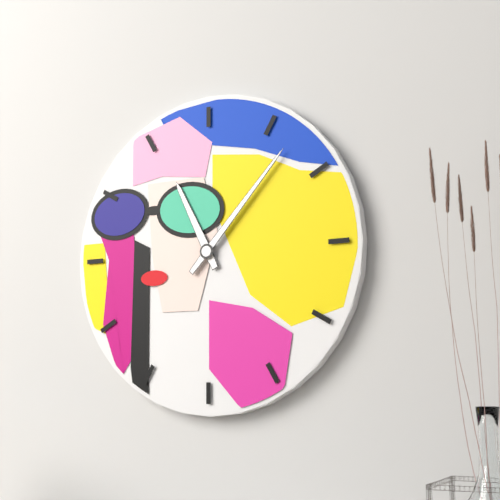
{"hour": 11, "minute": 7}
